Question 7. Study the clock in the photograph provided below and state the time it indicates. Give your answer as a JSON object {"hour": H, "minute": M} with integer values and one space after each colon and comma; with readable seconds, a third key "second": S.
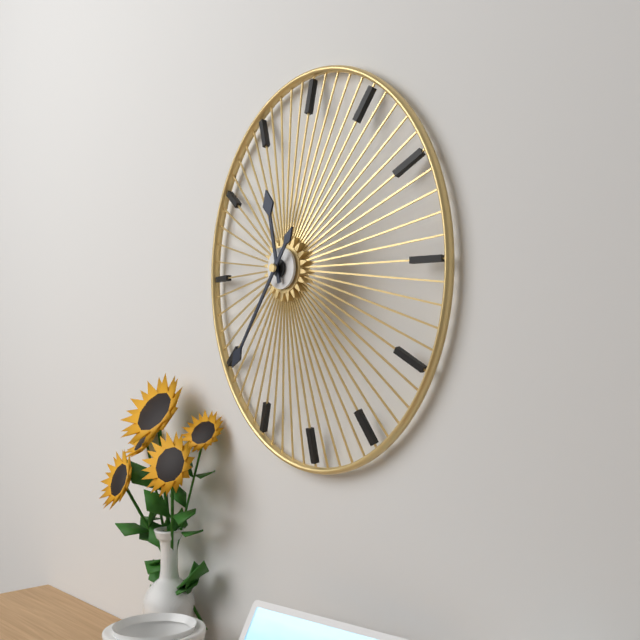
{"hour": 11, "minute": 36}
